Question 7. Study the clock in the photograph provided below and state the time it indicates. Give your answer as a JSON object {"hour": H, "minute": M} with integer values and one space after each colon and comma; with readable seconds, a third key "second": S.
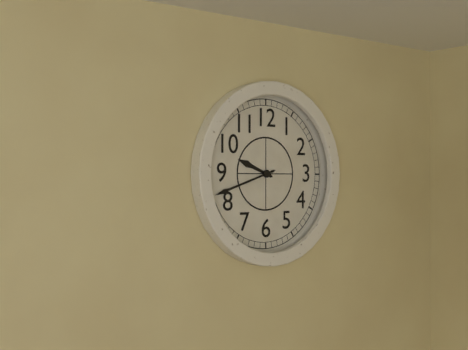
{"hour": 9, "minute": 42}
